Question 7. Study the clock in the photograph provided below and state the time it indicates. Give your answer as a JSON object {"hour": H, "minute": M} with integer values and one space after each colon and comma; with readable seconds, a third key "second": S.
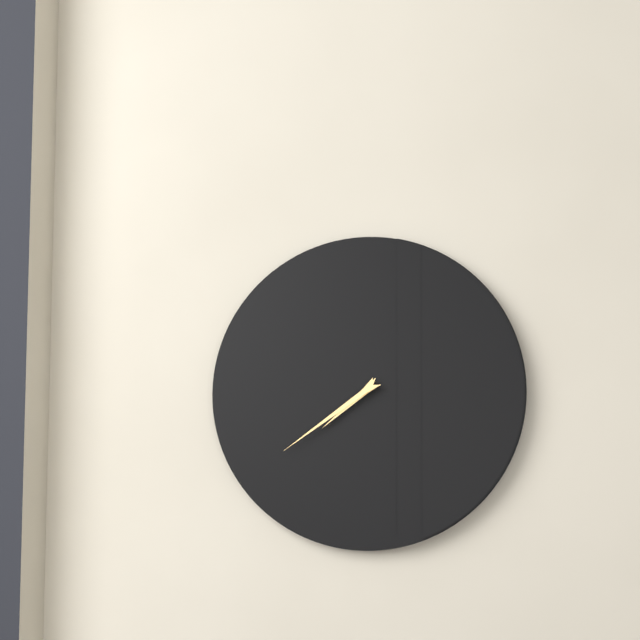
{"hour": 7, "minute": 39}
